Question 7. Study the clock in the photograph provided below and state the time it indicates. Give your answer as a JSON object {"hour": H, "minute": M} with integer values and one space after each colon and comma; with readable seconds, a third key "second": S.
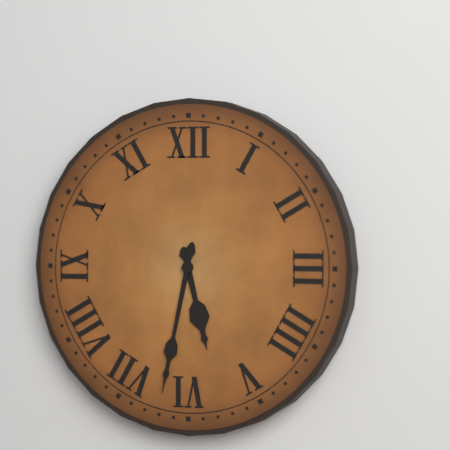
{"hour": 5, "minute": 32}
